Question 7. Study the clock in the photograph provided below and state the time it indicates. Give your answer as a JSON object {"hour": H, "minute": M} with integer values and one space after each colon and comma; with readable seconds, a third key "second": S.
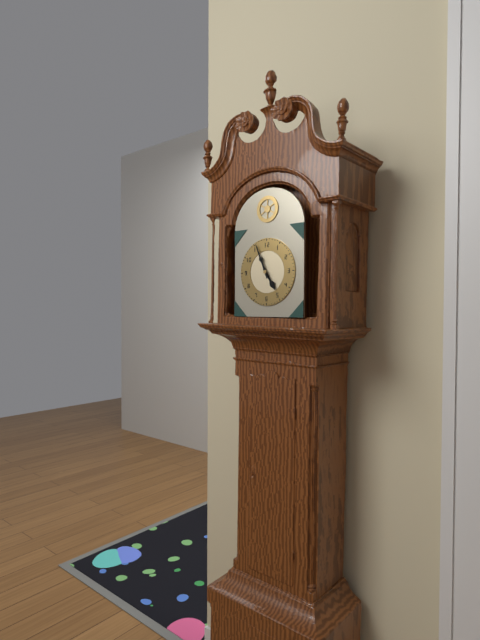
{"hour": 4, "minute": 56}
